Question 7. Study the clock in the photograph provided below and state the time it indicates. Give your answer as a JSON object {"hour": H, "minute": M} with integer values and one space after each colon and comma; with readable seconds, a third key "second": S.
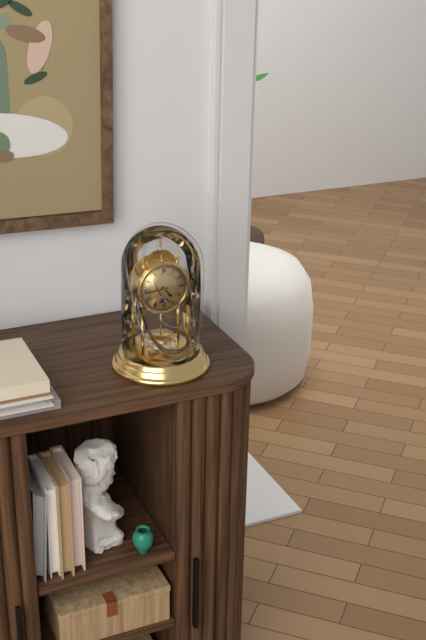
{"hour": 4, "minute": 44}
